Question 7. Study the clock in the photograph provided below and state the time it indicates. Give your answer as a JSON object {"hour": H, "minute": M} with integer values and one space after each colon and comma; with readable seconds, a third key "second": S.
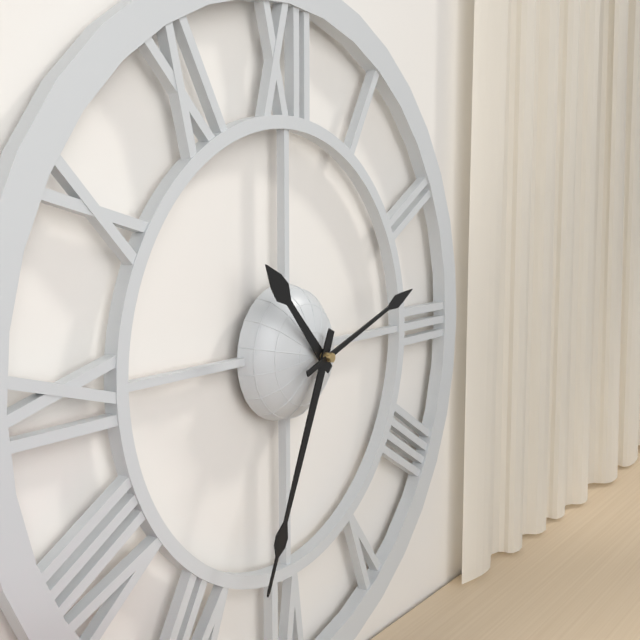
{"hour": 10, "minute": 34, "second": 12}
